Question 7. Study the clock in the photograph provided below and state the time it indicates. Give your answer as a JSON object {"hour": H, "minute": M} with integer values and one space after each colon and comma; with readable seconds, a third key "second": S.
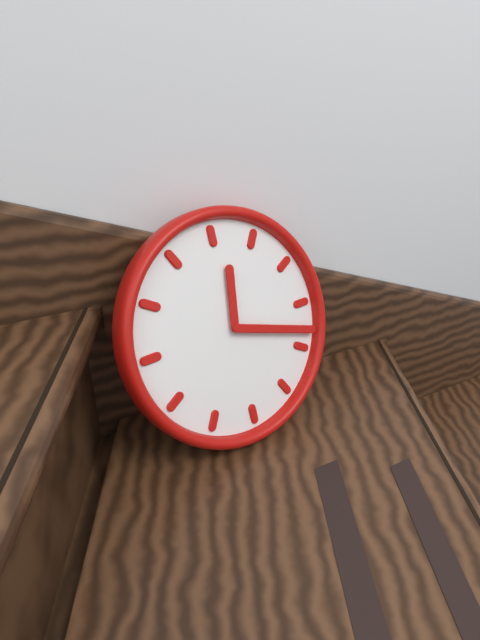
{"hour": 12, "minute": 18}
